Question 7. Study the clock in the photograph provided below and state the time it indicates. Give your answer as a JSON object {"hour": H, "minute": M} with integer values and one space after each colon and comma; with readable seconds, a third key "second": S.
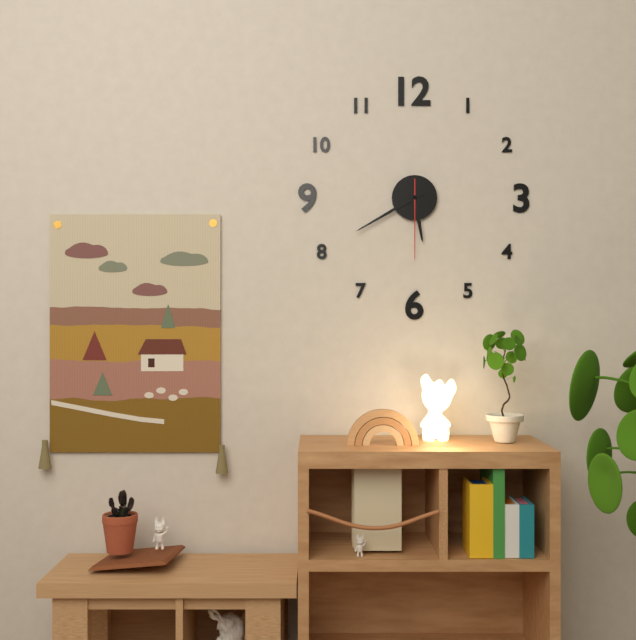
{"hour": 5, "minute": 40, "second": 30}
